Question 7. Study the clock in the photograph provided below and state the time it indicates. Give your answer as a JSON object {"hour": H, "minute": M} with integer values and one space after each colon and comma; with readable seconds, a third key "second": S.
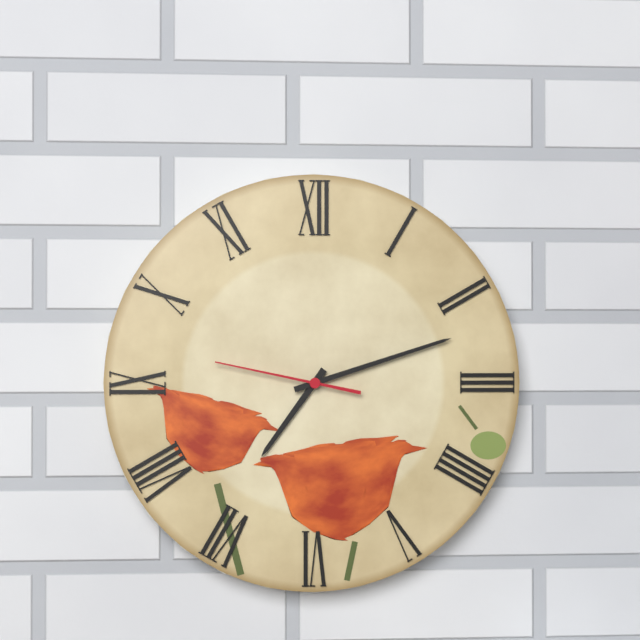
{"hour": 7, "minute": 12, "second": 47}
